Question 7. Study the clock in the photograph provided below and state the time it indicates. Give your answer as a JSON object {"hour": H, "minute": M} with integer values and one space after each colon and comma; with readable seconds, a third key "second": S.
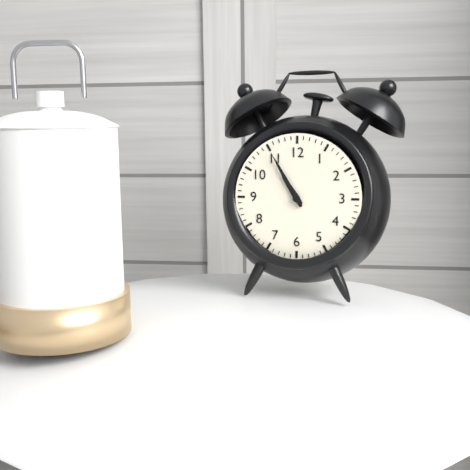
{"hour": 10, "minute": 55}
